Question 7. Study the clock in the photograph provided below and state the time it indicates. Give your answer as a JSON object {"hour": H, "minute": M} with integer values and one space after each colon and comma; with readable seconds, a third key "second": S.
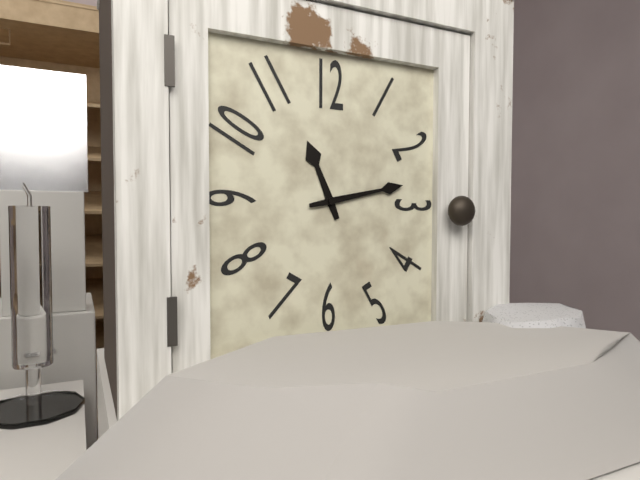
{"hour": 11, "minute": 13}
